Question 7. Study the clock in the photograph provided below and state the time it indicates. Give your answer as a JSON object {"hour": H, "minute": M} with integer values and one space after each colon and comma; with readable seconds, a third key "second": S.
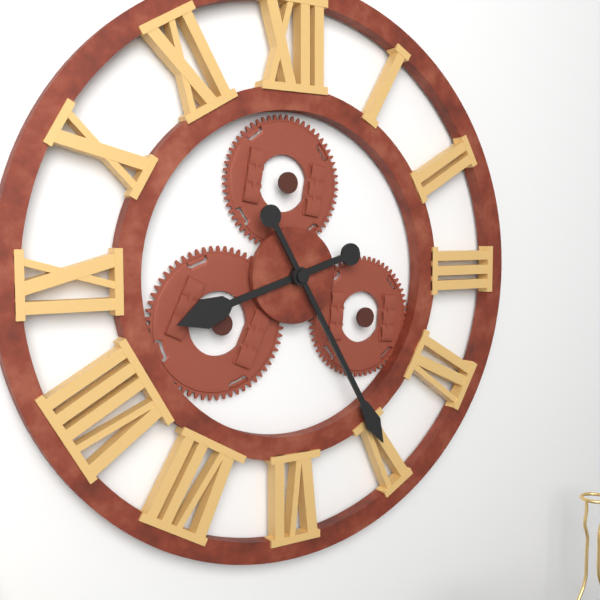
{"hour": 8, "minute": 25}
